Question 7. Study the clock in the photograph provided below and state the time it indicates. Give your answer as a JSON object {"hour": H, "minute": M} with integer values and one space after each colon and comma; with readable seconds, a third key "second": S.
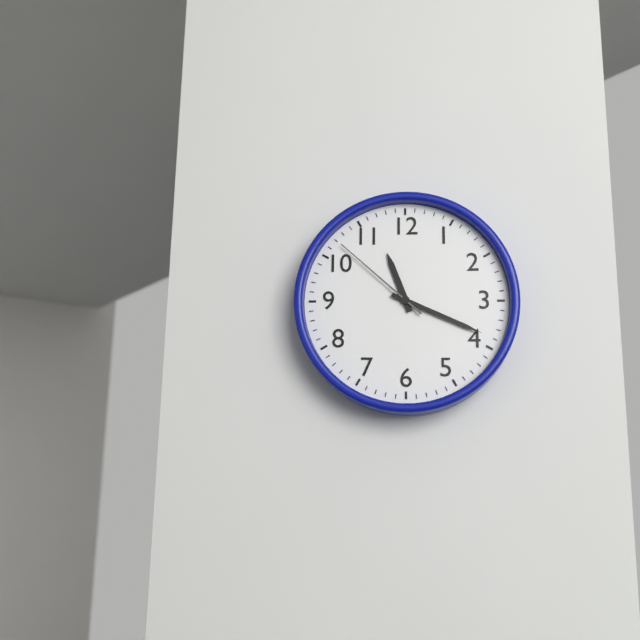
{"hour": 11, "minute": 19, "second": 52}
